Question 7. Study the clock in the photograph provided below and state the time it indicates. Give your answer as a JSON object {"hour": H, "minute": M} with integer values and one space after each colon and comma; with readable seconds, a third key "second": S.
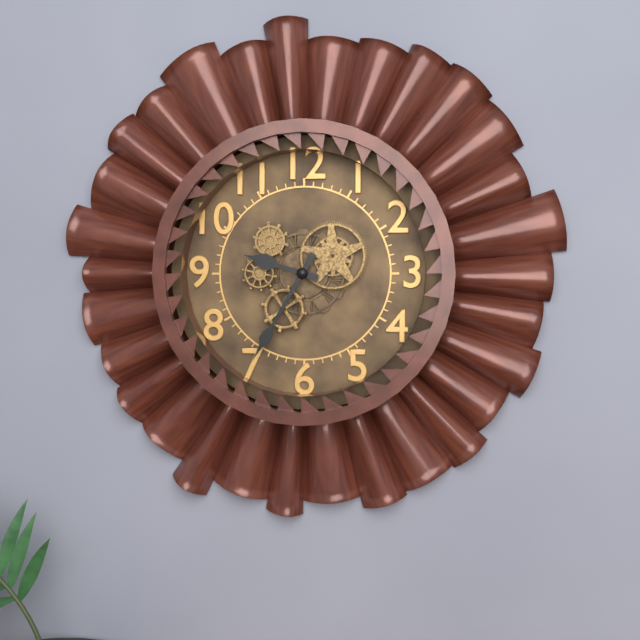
{"hour": 9, "minute": 35}
